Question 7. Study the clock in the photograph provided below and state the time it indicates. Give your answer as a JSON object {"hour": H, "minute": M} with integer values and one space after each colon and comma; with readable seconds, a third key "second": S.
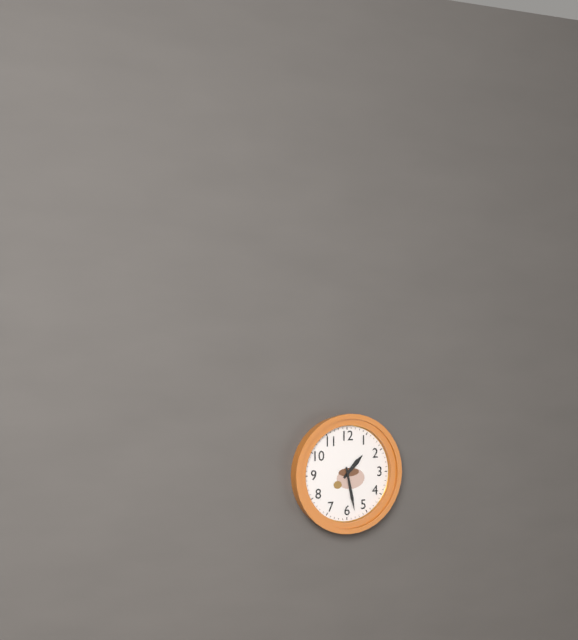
{"hour": 1, "minute": 28}
